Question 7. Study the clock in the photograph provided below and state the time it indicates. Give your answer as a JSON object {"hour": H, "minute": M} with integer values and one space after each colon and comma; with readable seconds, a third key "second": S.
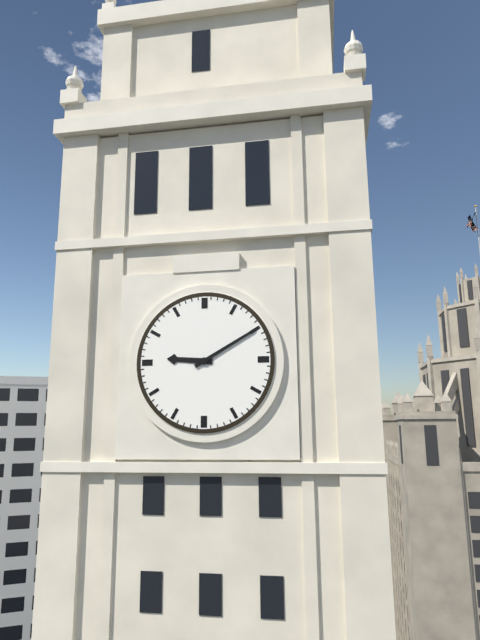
{"hour": 9, "minute": 10}
